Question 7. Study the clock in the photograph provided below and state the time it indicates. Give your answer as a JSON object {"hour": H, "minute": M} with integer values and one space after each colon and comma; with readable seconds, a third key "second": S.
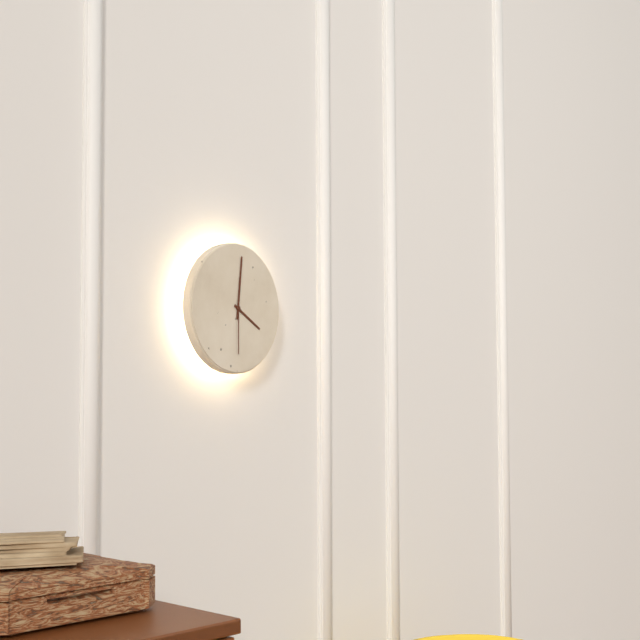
{"hour": 4, "minute": 1, "second": 30}
